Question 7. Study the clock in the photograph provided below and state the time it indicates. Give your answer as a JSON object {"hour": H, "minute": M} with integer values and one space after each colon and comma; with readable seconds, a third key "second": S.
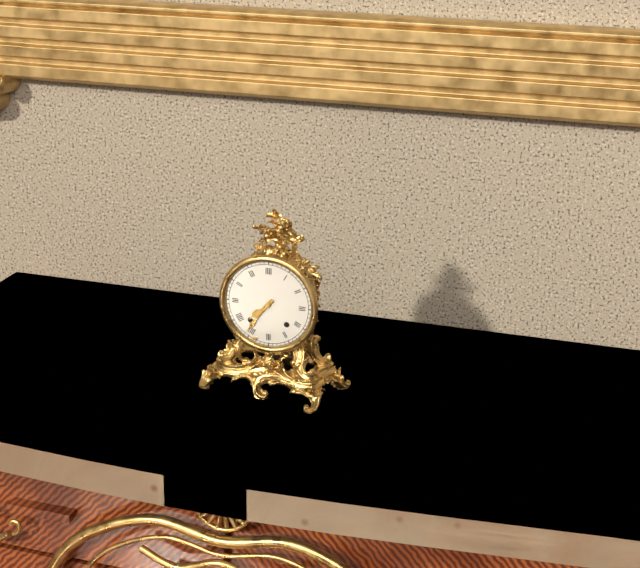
{"hour": 7, "minute": 36}
